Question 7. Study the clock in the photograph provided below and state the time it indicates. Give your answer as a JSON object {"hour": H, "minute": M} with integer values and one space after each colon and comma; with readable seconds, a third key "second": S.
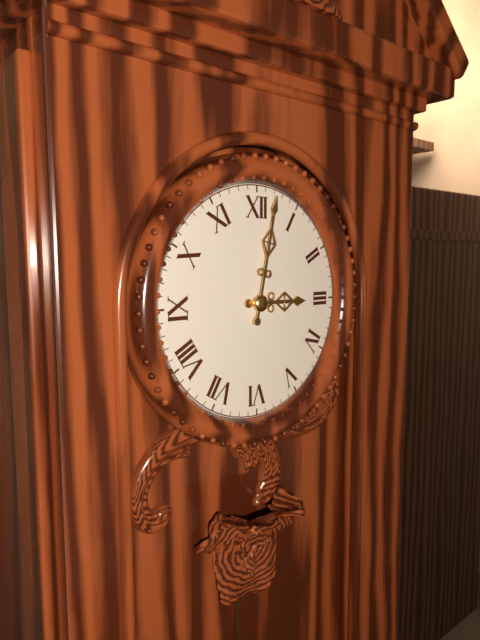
{"hour": 3, "minute": 2}
